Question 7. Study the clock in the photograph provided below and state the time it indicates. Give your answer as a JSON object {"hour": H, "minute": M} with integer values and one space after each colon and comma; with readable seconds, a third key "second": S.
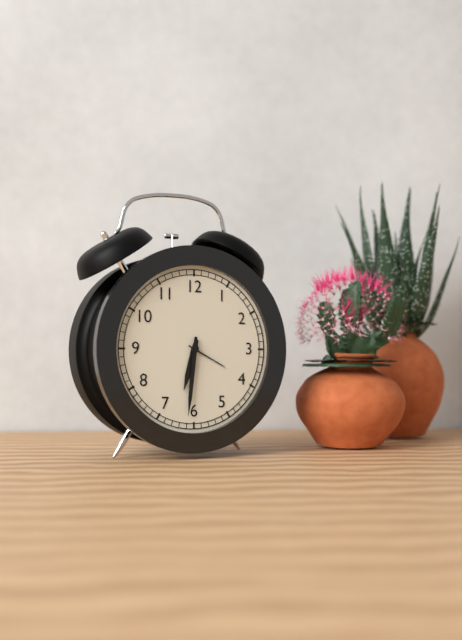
{"hour": 6, "minute": 31}
